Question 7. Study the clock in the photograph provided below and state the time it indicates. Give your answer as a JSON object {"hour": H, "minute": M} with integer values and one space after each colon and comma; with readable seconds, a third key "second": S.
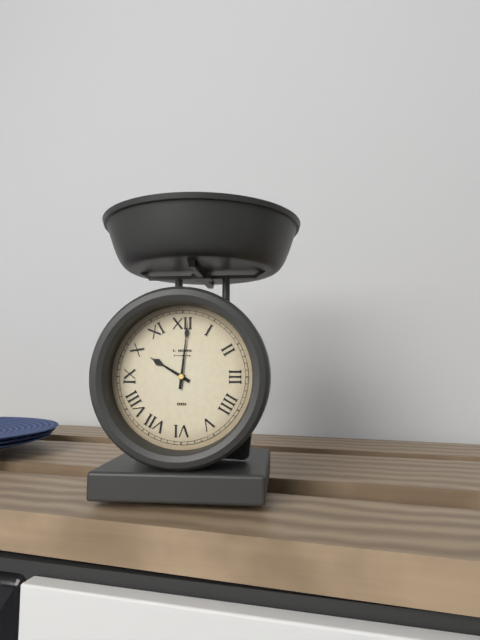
{"hour": 10, "minute": 1}
